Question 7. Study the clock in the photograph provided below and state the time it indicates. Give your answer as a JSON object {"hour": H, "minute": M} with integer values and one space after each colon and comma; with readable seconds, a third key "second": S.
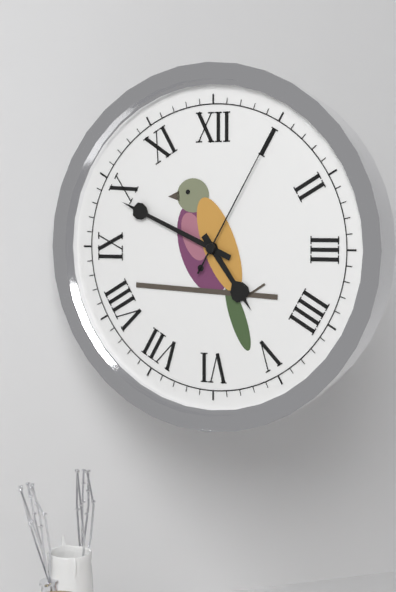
{"hour": 4, "minute": 49, "second": 5}
